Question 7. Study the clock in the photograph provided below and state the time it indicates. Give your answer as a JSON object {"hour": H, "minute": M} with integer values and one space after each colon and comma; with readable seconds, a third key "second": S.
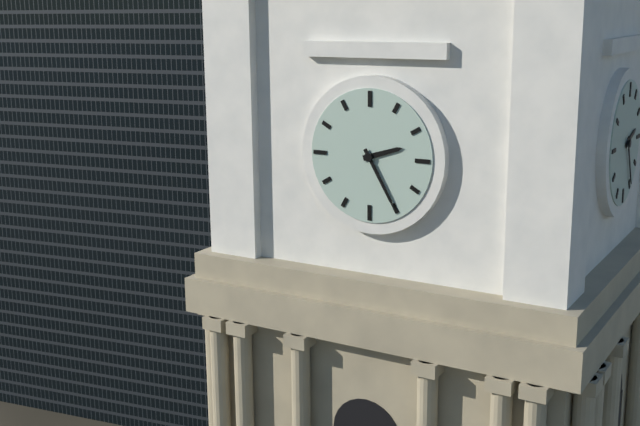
{"hour": 2, "minute": 25}
